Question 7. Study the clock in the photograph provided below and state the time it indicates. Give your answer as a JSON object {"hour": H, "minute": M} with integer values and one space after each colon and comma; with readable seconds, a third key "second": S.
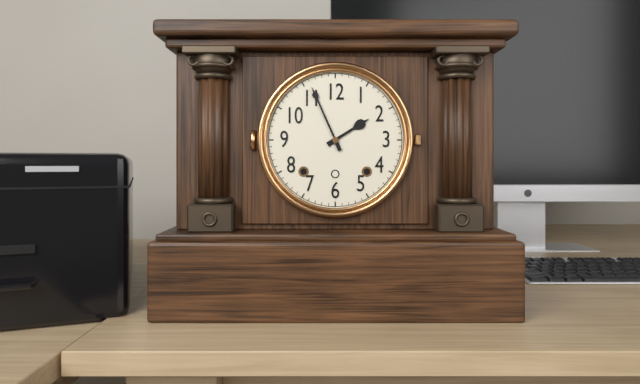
{"hour": 1, "minute": 56}
